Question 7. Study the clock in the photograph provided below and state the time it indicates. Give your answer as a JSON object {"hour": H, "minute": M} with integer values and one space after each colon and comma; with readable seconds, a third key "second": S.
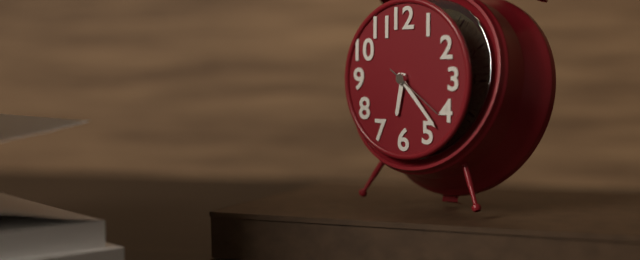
{"hour": 6, "minute": 23, "second": 21}
